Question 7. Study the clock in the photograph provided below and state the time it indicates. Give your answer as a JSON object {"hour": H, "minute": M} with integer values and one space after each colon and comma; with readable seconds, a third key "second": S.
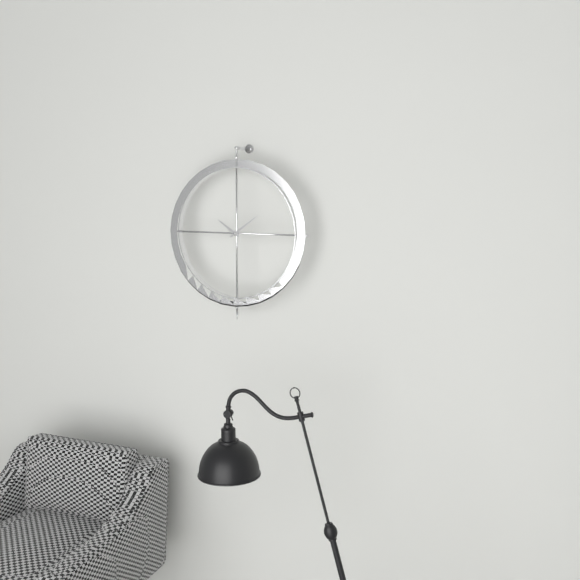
{"hour": 10, "minute": 9}
